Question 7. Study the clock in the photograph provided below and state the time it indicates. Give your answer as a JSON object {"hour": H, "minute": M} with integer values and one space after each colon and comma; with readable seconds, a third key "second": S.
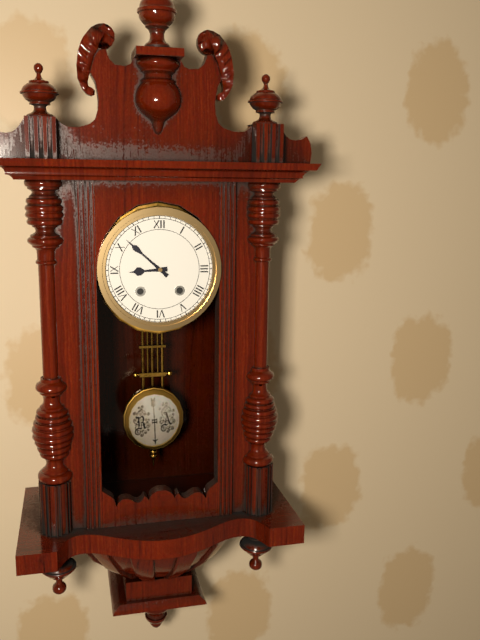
{"hour": 8, "minute": 52}
